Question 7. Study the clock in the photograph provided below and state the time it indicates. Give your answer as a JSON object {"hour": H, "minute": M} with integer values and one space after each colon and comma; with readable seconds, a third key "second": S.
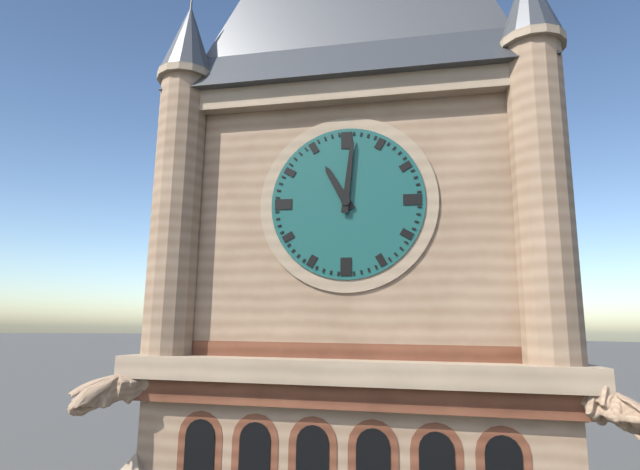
{"hour": 11, "minute": 1}
